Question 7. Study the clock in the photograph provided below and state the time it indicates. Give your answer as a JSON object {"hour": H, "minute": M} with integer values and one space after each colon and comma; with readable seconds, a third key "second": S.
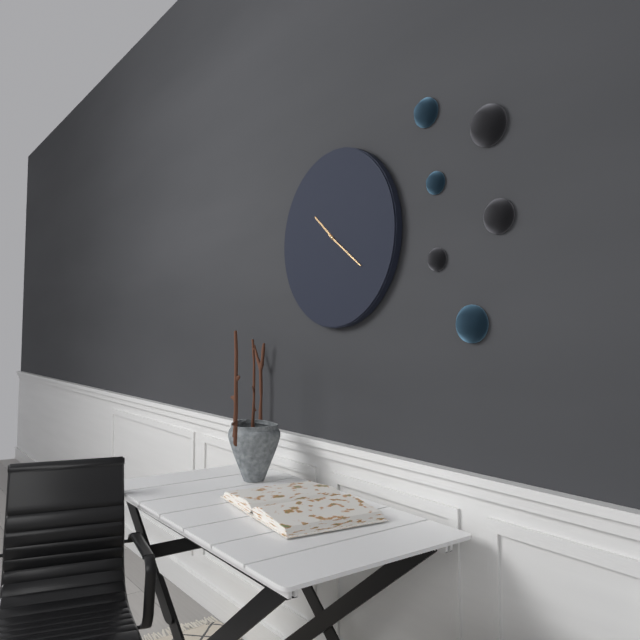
{"hour": 10, "minute": 21}
